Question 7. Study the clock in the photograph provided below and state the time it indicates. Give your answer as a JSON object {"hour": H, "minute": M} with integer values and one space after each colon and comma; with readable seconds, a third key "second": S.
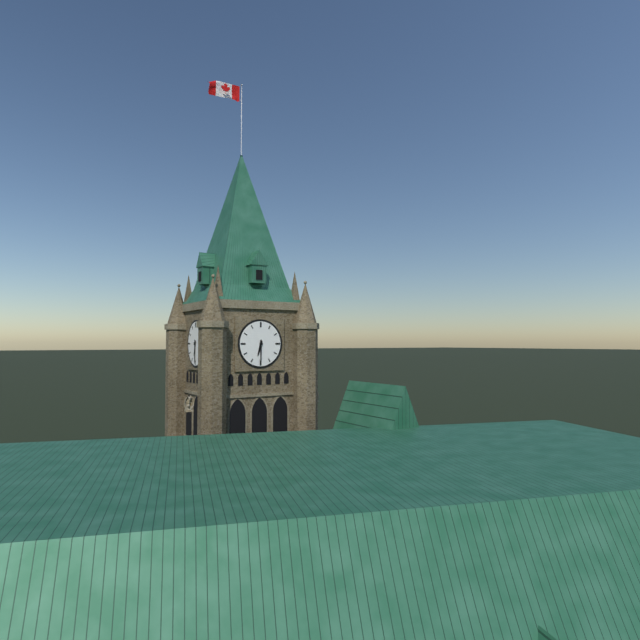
{"hour": 6, "minute": 30}
